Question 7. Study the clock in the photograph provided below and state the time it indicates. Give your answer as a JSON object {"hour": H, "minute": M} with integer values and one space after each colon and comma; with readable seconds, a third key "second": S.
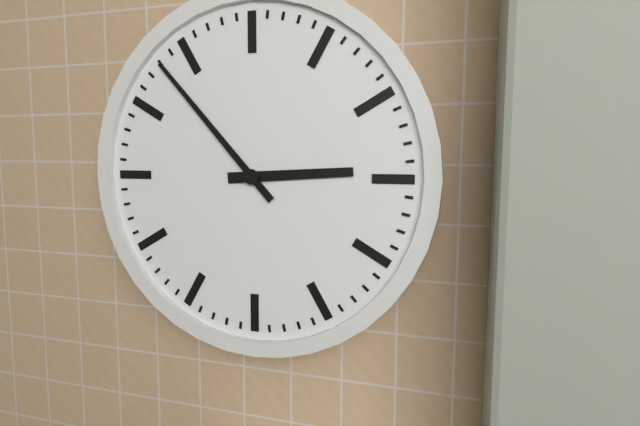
{"hour": 2, "minute": 53}
